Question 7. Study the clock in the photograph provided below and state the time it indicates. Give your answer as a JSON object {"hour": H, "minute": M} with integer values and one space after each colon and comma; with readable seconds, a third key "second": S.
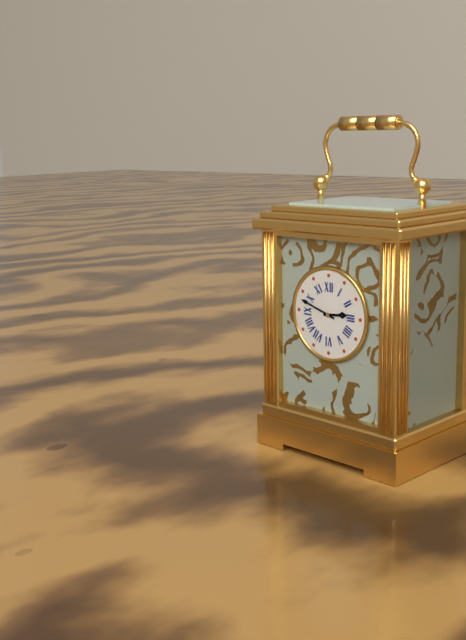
{"hour": 2, "minute": 48}
